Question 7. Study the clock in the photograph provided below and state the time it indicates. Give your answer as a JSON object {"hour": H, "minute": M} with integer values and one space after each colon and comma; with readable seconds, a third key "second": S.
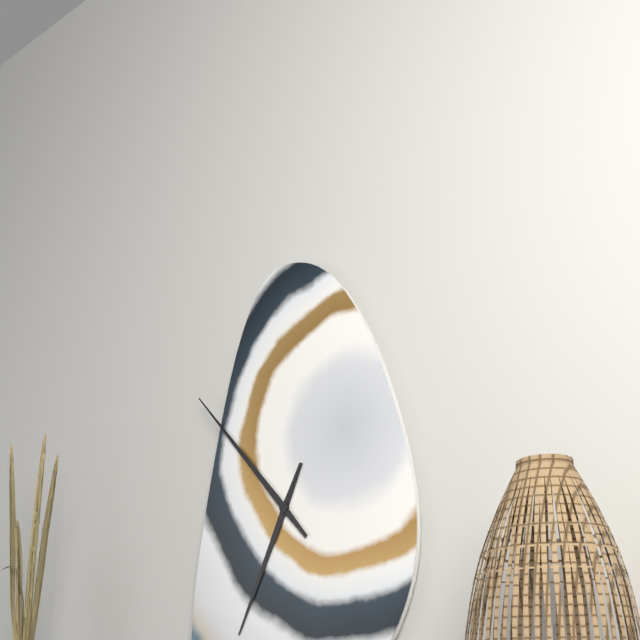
{"hour": 6, "minute": 53}
